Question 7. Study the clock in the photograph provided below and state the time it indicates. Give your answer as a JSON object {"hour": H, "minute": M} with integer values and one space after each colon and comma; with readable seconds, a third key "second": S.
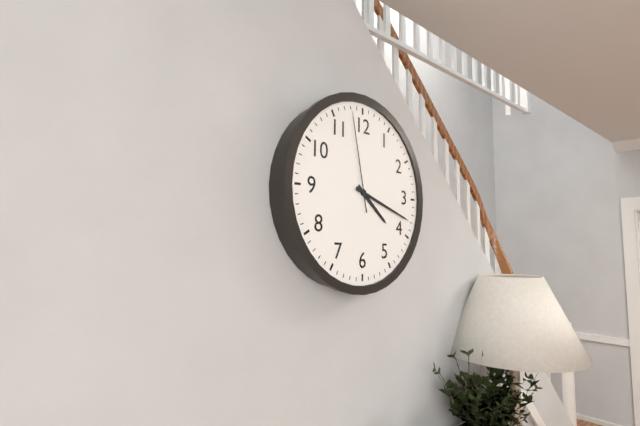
{"hour": 4, "minute": 18, "second": 58}
